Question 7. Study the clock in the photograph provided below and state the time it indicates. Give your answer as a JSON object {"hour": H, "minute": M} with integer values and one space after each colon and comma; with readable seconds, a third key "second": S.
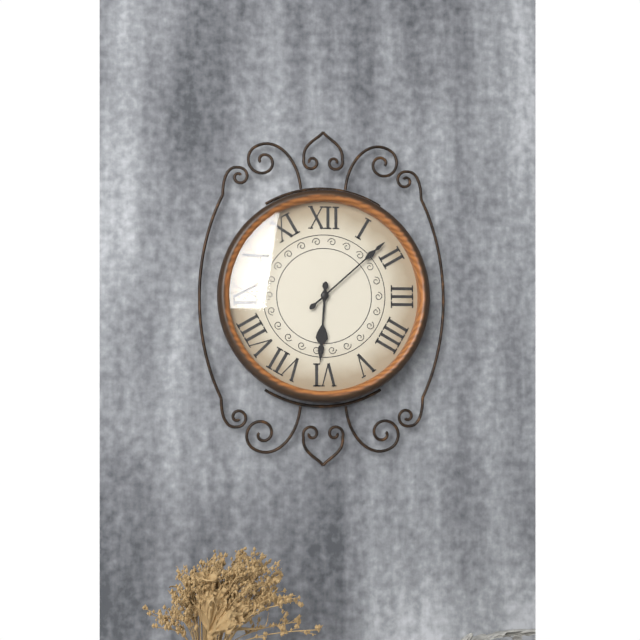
{"hour": 6, "minute": 8}
